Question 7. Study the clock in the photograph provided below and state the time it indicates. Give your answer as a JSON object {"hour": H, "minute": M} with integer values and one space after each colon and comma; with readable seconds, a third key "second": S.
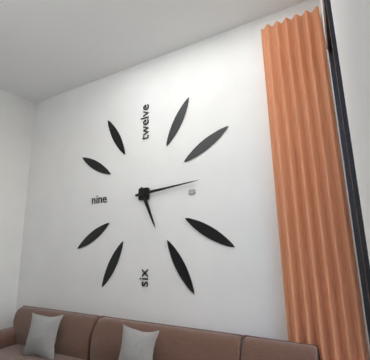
{"hour": 5, "minute": 14}
